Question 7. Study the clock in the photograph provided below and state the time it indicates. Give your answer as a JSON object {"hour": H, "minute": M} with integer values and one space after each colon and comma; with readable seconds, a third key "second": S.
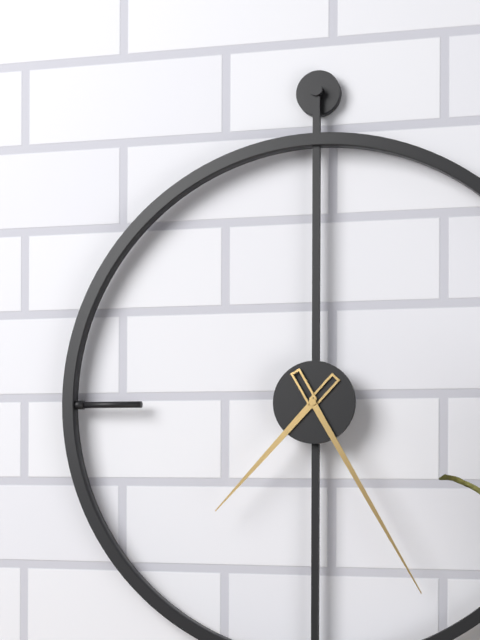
{"hour": 7, "minute": 25}
